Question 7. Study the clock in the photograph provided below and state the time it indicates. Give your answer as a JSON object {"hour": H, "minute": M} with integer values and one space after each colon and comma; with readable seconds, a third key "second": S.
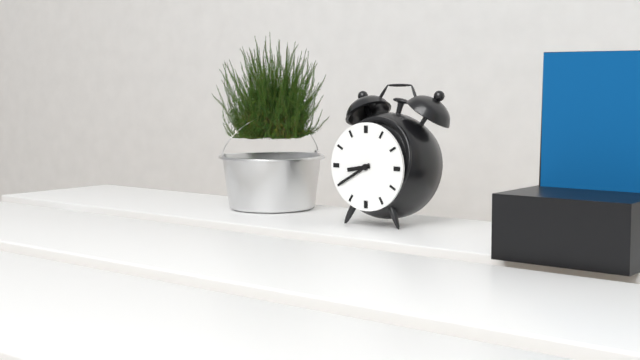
{"hour": 8, "minute": 40}
